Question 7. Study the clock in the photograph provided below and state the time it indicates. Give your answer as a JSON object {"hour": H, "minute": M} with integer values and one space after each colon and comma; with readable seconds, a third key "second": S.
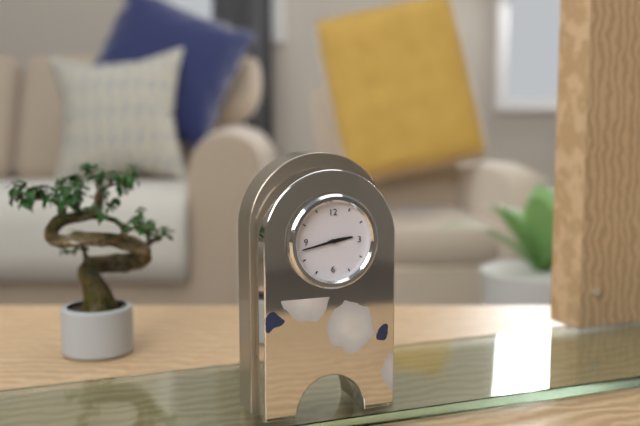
{"hour": 2, "minute": 43}
